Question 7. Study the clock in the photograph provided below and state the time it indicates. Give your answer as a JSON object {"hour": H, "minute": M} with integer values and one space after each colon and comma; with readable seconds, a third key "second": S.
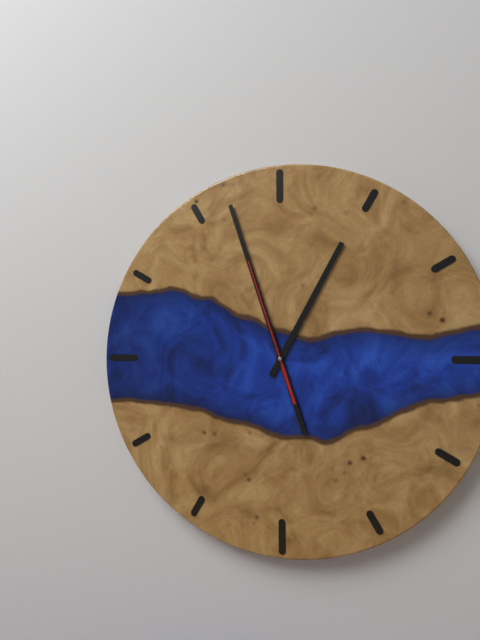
{"hour": 12, "minute": 57, "second": 57}
